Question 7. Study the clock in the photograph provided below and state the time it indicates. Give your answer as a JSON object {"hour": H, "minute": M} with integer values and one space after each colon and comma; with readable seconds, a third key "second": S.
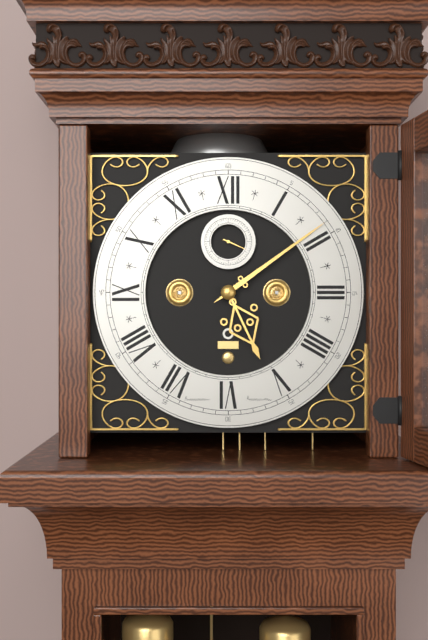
{"hour": 5, "minute": 9}
